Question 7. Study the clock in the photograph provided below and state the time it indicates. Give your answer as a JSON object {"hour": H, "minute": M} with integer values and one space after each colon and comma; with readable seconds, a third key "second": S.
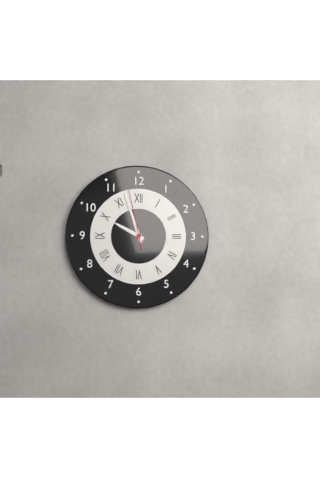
{"hour": 9, "minute": 57, "second": 58}
